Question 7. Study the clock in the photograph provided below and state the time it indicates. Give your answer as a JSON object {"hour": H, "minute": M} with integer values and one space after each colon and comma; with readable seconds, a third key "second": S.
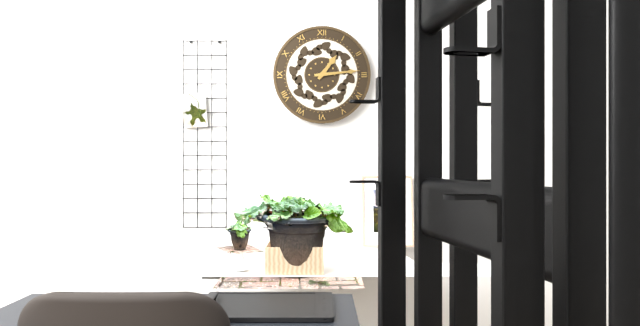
{"hour": 1, "minute": 14}
